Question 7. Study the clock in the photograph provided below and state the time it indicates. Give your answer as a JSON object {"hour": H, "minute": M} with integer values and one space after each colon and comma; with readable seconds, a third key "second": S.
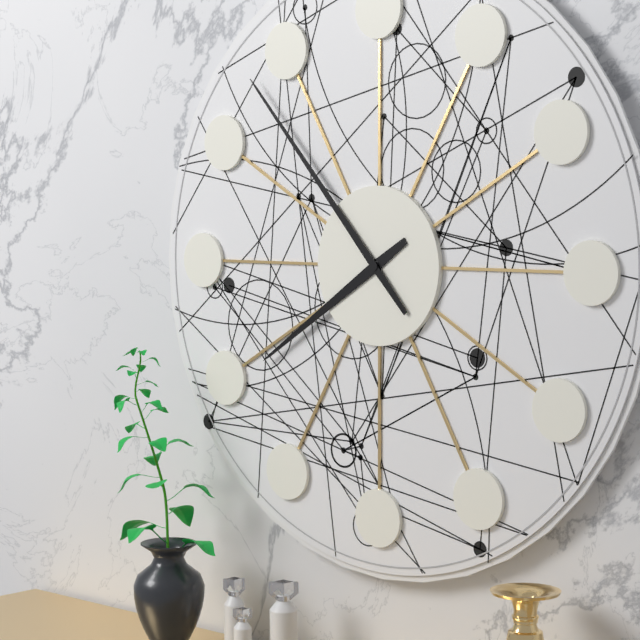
{"hour": 7, "minute": 53}
